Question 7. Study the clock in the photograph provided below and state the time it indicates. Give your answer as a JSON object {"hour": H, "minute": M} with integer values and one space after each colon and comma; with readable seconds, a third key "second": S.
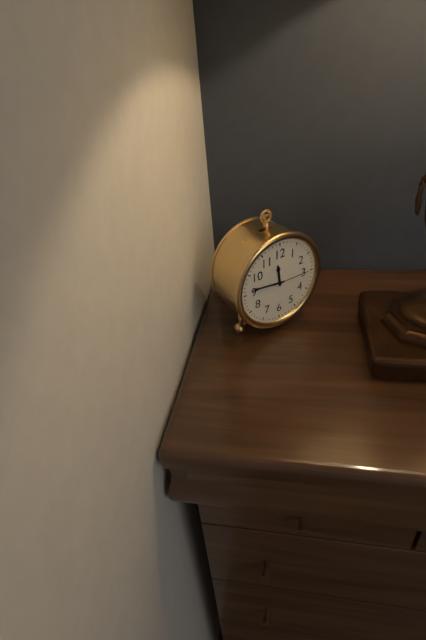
{"hour": 11, "minute": 46}
